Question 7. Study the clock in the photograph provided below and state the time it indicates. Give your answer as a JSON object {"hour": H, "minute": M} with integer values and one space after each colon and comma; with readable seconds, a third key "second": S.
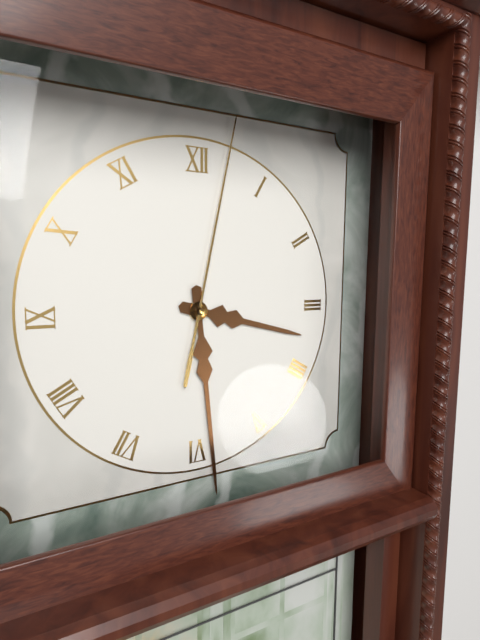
{"hour": 3, "minute": 29, "second": 2}
